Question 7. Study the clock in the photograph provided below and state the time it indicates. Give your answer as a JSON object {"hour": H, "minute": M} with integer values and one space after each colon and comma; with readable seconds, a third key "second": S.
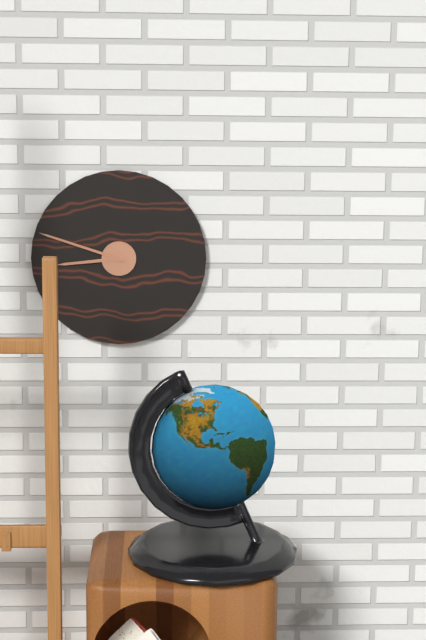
{"hour": 8, "minute": 48}
